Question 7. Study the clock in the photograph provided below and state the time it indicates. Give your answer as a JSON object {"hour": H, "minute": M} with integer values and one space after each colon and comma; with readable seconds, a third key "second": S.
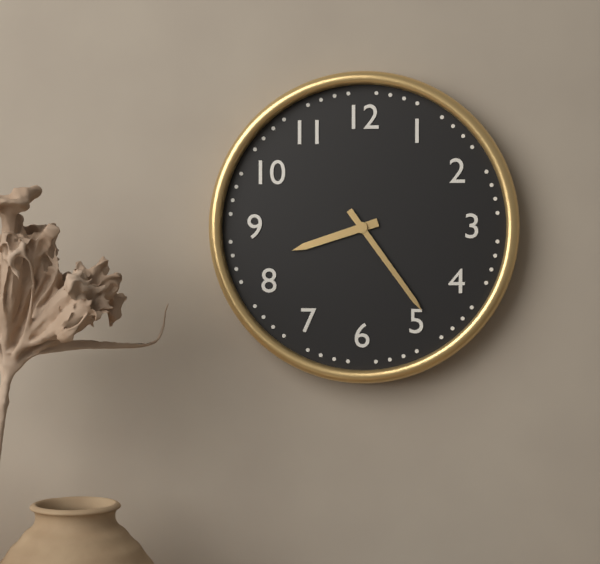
{"hour": 8, "minute": 24}
